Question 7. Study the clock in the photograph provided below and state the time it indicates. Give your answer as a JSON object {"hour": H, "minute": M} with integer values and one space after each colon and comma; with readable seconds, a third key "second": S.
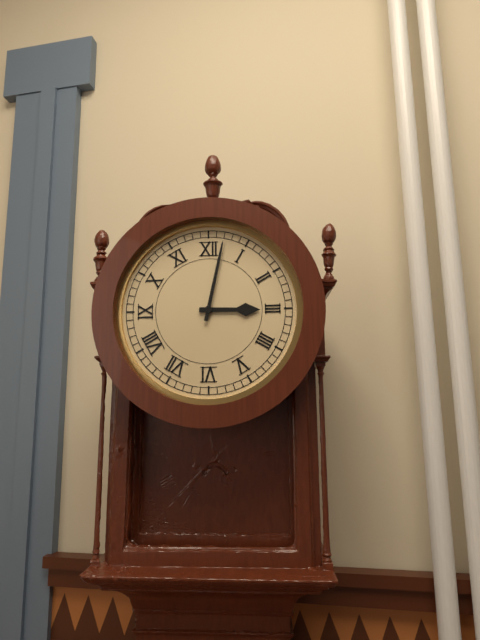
{"hour": 3, "minute": 2}
